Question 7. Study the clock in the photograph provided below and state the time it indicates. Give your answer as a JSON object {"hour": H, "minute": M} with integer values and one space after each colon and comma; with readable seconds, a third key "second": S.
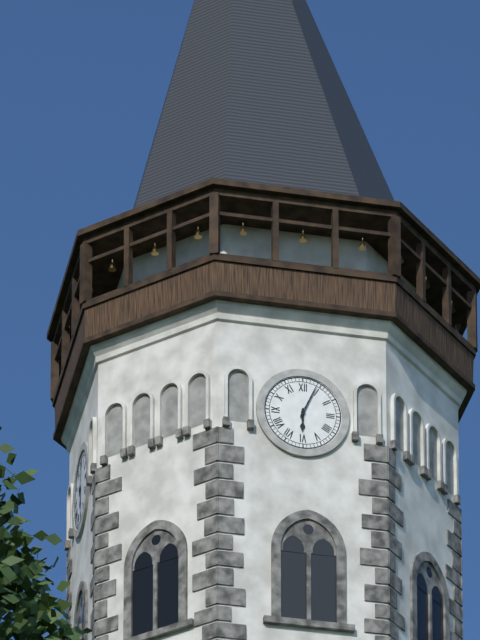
{"hour": 6, "minute": 4}
